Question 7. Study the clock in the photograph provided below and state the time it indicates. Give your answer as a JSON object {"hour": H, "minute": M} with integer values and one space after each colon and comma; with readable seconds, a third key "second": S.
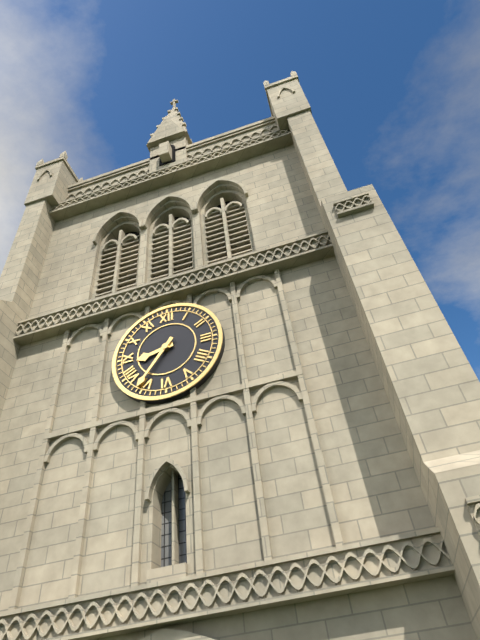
{"hour": 8, "minute": 36}
